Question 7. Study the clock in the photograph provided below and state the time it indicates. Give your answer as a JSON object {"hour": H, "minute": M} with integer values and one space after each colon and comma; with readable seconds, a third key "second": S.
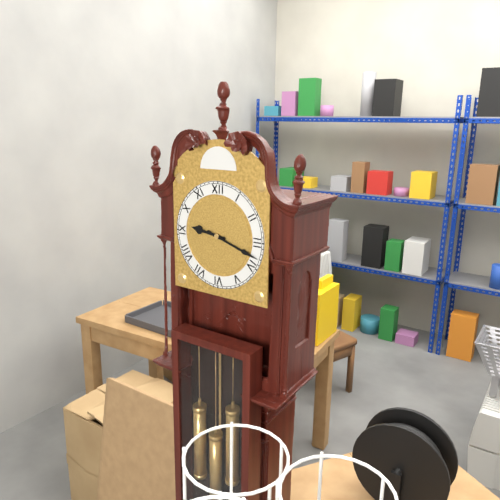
{"hour": 9, "minute": 18}
